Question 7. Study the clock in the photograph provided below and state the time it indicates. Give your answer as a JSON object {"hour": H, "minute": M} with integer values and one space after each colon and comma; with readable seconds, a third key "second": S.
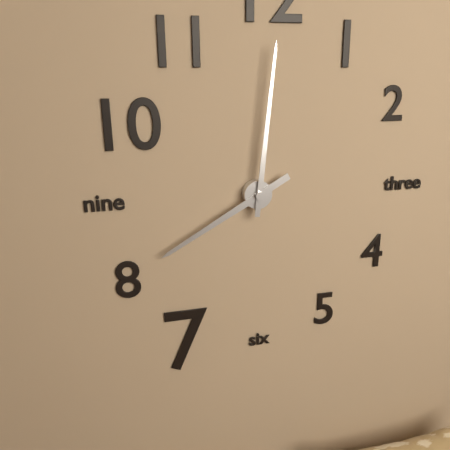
{"hour": 8, "minute": 1}
